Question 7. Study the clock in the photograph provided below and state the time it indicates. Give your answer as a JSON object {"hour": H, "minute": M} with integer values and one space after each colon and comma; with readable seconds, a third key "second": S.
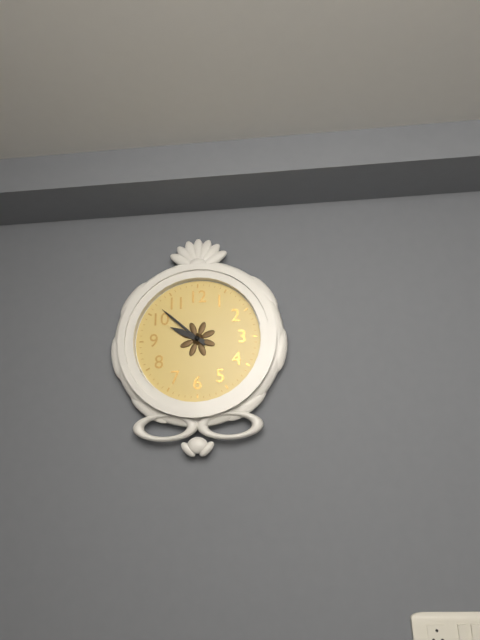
{"hour": 9, "minute": 52}
